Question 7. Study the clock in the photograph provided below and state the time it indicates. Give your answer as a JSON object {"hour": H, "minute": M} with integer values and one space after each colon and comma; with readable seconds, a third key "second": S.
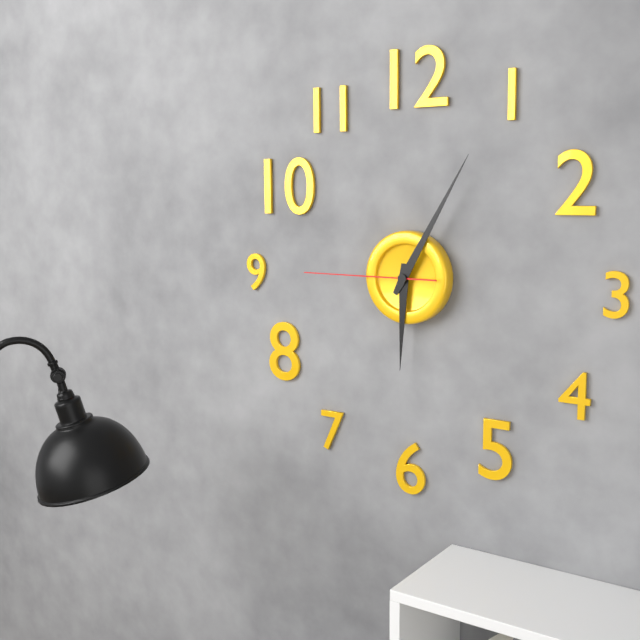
{"hour": 6, "minute": 5, "second": 45}
